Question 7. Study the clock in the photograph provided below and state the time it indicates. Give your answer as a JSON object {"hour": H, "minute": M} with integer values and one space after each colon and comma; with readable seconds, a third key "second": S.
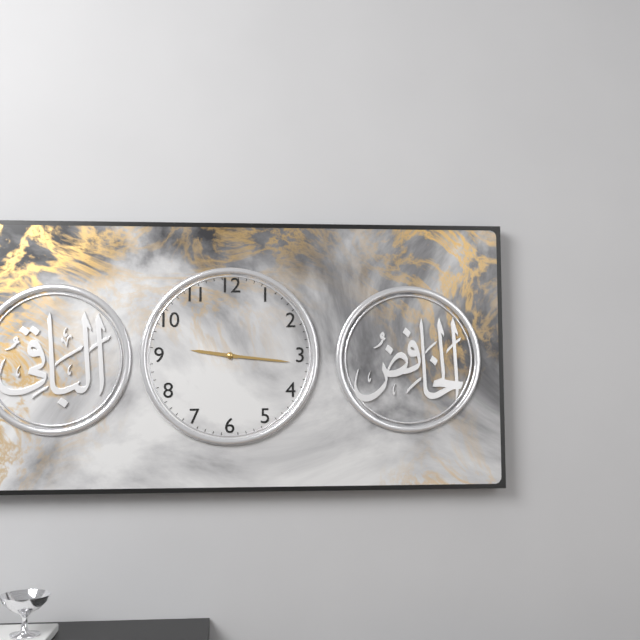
{"hour": 9, "minute": 16}
